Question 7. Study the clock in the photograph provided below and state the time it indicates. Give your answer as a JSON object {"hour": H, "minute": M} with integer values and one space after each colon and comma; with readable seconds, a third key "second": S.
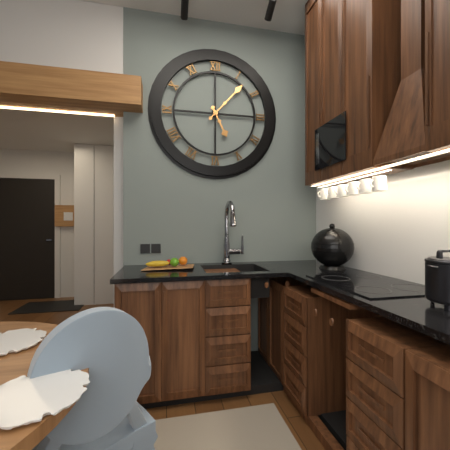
{"hour": 5, "minute": 7}
